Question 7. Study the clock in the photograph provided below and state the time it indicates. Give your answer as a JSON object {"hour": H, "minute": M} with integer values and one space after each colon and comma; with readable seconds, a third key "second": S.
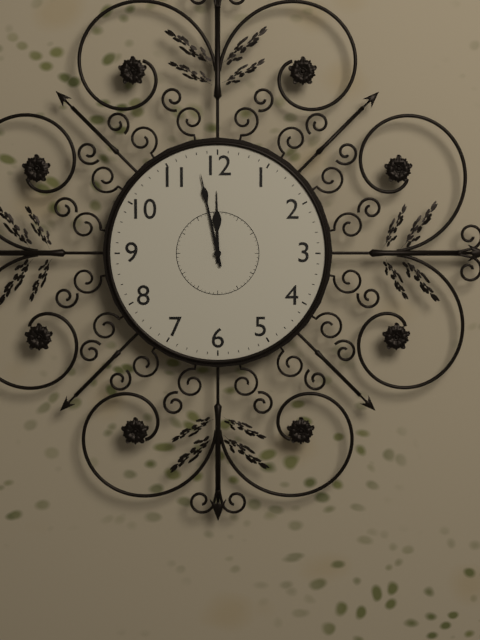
{"hour": 11, "minute": 58}
